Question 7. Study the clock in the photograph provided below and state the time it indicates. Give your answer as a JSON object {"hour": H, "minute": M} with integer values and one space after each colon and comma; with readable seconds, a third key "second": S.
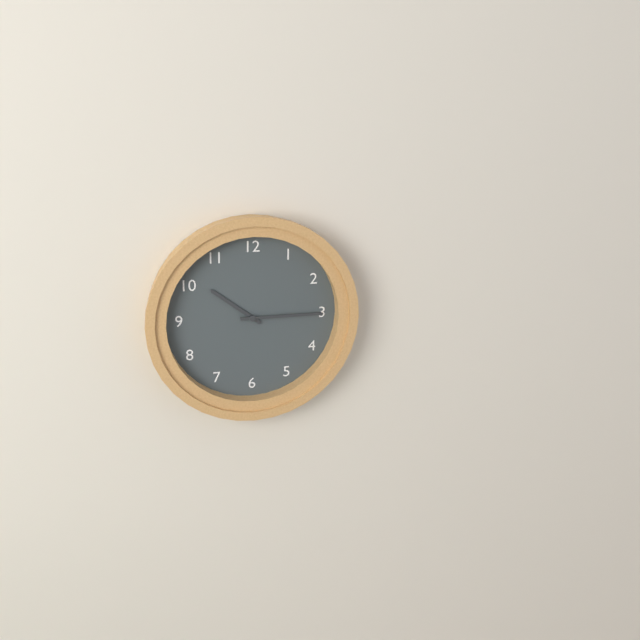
{"hour": 10, "minute": 15}
